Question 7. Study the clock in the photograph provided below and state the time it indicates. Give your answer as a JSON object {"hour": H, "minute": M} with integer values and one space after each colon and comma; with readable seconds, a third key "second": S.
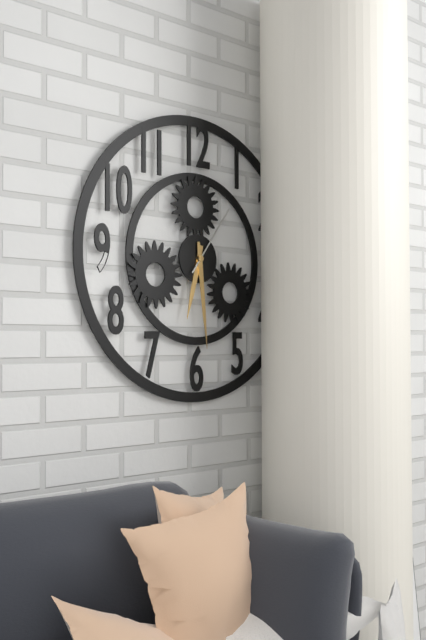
{"hour": 6, "minute": 29, "second": 6}
